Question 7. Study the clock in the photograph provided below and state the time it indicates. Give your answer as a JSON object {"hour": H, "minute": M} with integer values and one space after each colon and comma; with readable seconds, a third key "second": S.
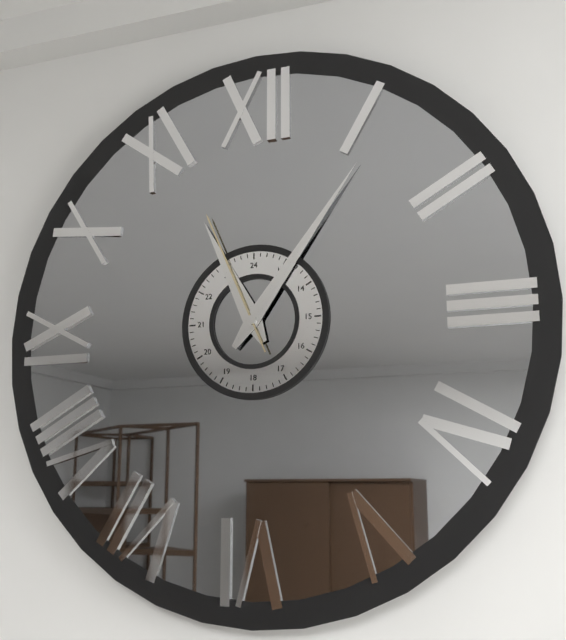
{"hour": 11, "minute": 6, "second": 56}
